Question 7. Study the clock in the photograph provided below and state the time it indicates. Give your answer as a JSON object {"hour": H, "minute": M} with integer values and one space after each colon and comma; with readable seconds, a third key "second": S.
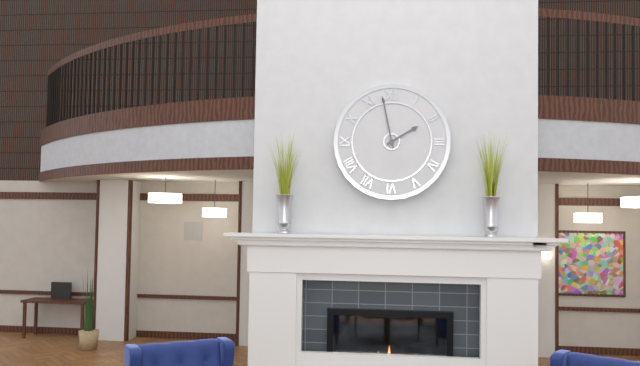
{"hour": 1, "minute": 58}
